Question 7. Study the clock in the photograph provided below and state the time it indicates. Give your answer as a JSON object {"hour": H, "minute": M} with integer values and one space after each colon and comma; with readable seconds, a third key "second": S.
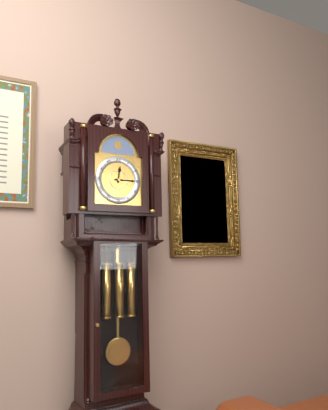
{"hour": 12, "minute": 15}
